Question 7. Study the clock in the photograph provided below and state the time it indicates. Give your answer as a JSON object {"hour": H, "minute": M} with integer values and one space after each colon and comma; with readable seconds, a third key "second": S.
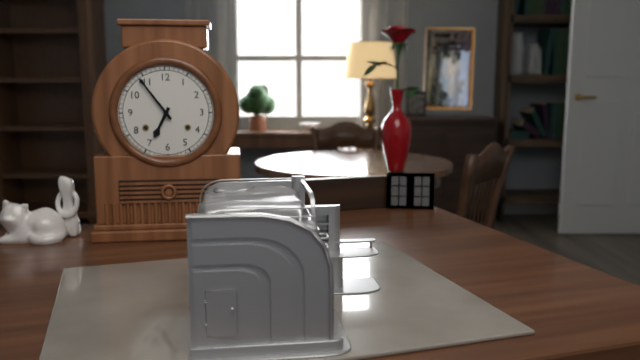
{"hour": 6, "minute": 54}
